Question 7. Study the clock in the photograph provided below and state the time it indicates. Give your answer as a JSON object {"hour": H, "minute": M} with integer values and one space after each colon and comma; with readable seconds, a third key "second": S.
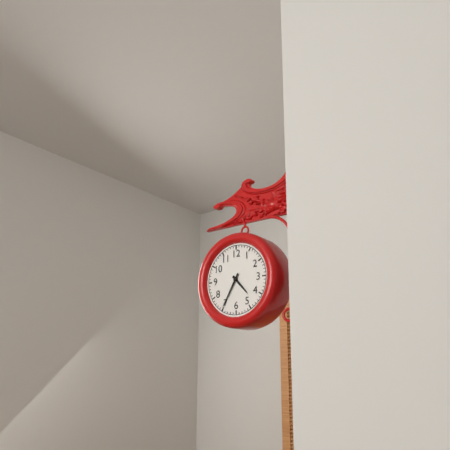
{"hour": 4, "minute": 35}
